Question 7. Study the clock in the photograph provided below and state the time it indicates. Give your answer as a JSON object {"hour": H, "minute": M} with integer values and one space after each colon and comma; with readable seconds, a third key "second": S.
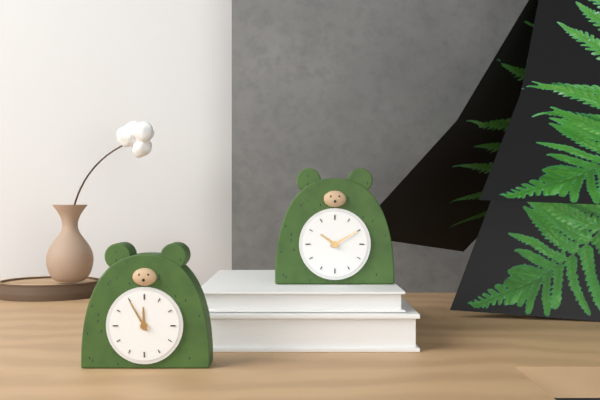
{"hour": 11, "minute": 55}
